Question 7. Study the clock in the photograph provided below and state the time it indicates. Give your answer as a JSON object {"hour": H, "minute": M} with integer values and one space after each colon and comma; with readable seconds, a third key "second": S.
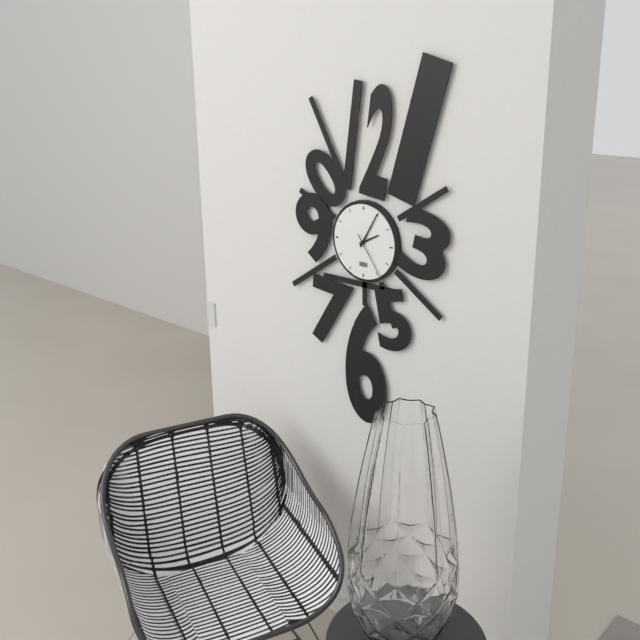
{"hour": 2, "minute": 5, "second": 24}
